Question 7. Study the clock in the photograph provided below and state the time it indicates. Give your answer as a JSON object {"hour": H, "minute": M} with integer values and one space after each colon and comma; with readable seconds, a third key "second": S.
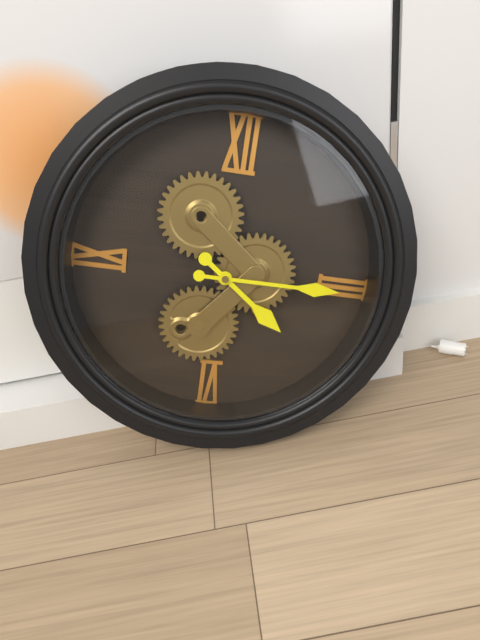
{"hour": 4, "minute": 15}
